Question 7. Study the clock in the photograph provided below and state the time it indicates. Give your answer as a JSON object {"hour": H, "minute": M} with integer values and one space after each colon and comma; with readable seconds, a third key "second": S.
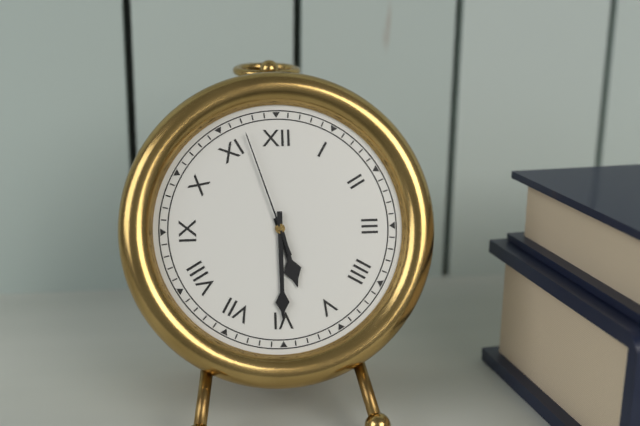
{"hour": 5, "minute": 30, "second": 57}
